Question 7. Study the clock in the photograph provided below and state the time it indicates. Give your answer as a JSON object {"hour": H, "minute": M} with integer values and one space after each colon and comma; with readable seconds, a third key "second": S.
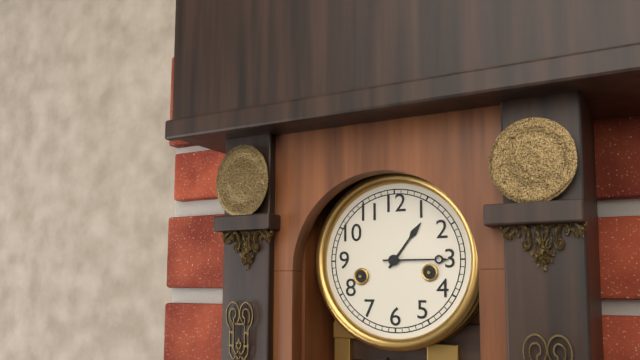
{"hour": 1, "minute": 15}
